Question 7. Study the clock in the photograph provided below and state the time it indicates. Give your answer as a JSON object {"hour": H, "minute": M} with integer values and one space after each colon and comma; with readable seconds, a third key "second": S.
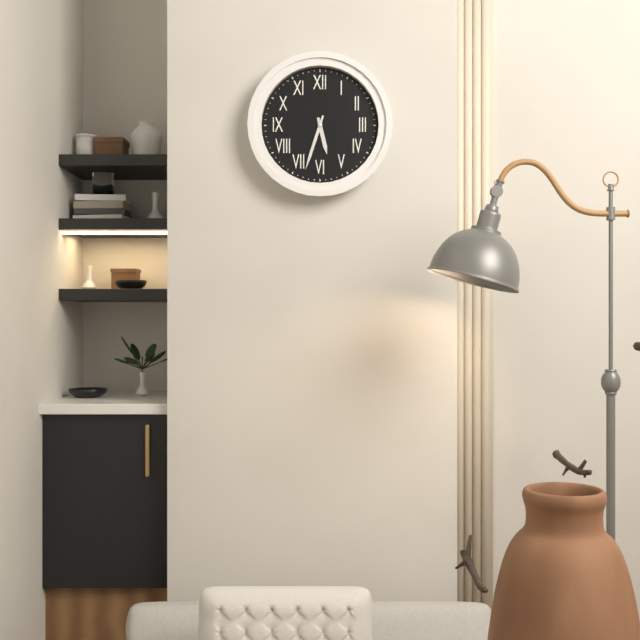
{"hour": 5, "minute": 33}
